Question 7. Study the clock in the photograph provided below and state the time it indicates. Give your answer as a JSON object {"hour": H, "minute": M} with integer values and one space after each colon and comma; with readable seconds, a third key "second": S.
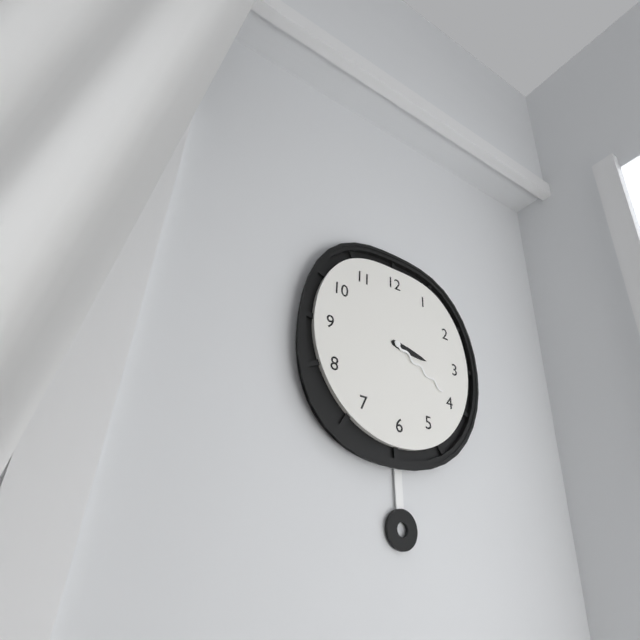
{"hour": 3, "minute": 20}
